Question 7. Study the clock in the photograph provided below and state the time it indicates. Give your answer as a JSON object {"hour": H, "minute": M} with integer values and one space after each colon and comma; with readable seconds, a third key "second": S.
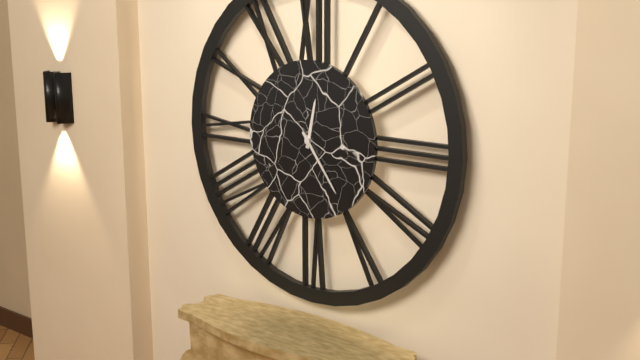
{"hour": 12, "minute": 24}
